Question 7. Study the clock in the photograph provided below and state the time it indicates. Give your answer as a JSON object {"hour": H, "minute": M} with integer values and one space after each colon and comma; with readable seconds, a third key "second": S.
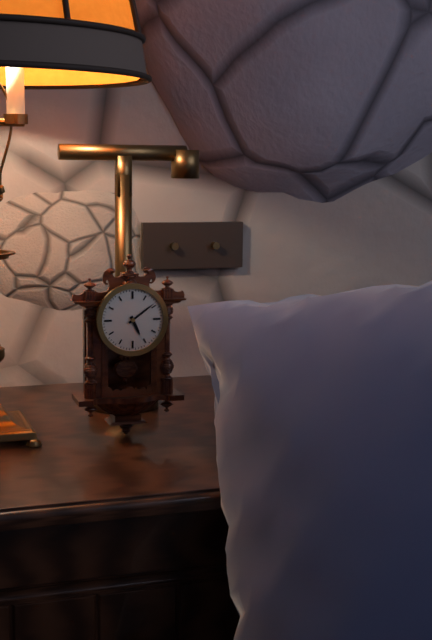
{"hour": 5, "minute": 9}
